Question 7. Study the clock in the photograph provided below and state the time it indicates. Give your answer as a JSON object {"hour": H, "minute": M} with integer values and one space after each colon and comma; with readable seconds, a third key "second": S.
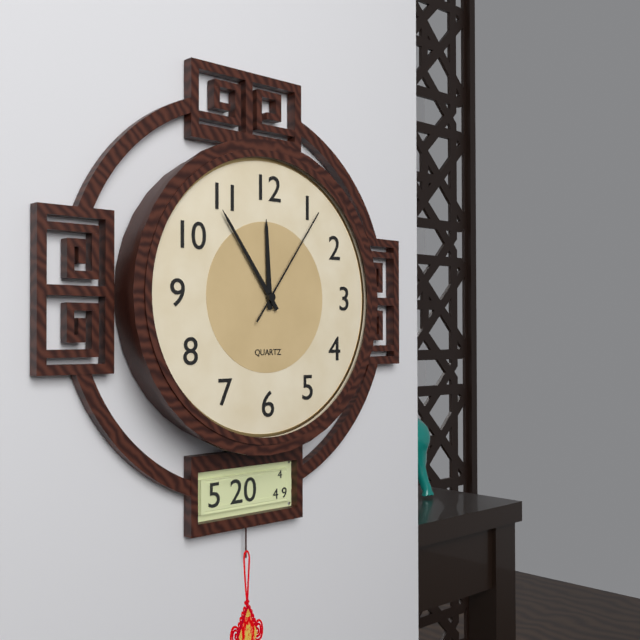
{"hour": 11, "minute": 54, "second": 6}
